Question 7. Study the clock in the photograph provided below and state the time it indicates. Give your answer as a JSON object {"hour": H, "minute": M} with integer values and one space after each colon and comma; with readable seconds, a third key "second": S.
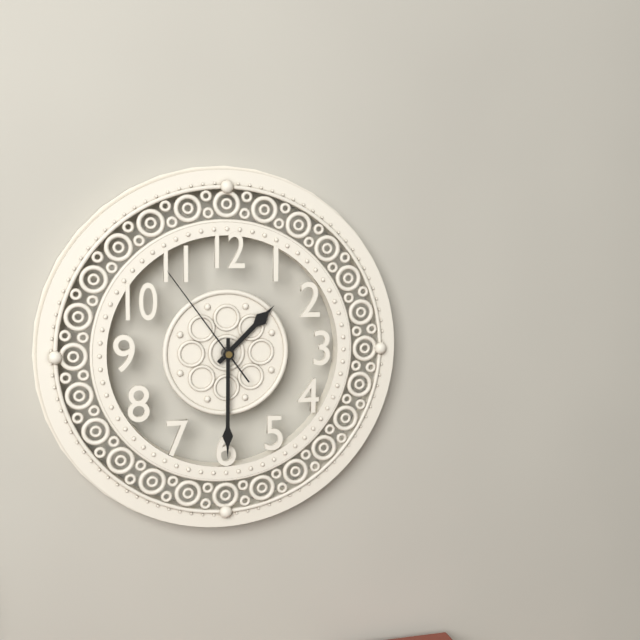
{"hour": 1, "minute": 30, "second": 54}
